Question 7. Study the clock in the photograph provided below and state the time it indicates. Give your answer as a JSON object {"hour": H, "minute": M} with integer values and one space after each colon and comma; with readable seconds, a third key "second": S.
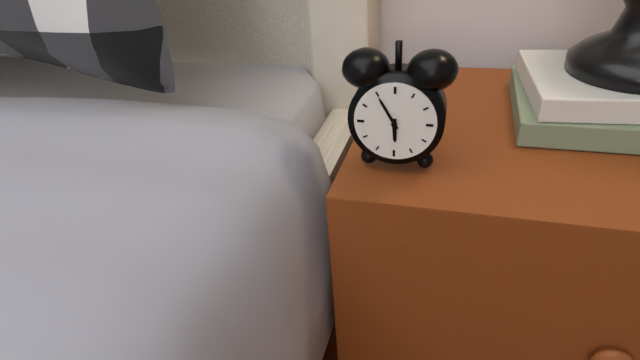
{"hour": 5, "minute": 55}
